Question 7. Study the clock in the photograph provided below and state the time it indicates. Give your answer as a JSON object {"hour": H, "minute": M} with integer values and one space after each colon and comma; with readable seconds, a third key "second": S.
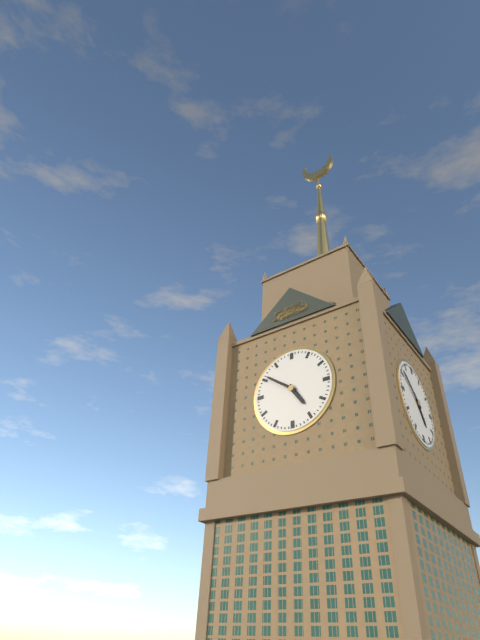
{"hour": 4, "minute": 51}
